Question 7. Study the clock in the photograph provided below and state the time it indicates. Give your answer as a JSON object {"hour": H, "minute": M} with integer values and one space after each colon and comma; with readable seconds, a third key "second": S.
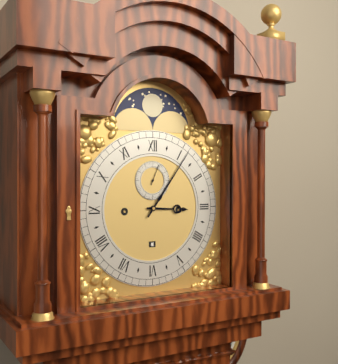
{"hour": 3, "minute": 6}
